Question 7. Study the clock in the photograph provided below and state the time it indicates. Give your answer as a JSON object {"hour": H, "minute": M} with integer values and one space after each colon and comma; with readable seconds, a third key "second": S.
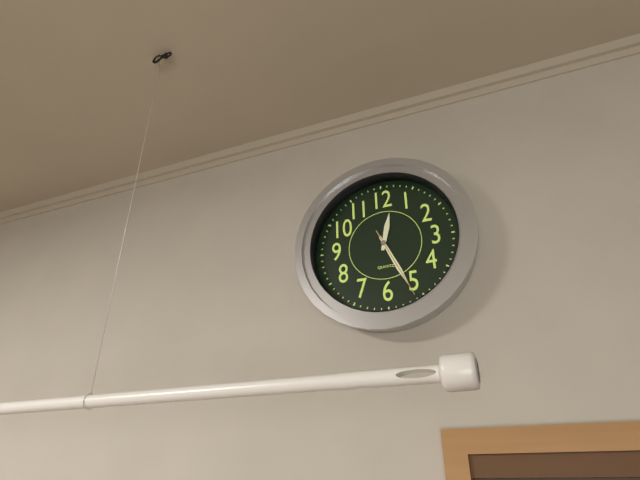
{"hour": 12, "minute": 26, "second": 26}
